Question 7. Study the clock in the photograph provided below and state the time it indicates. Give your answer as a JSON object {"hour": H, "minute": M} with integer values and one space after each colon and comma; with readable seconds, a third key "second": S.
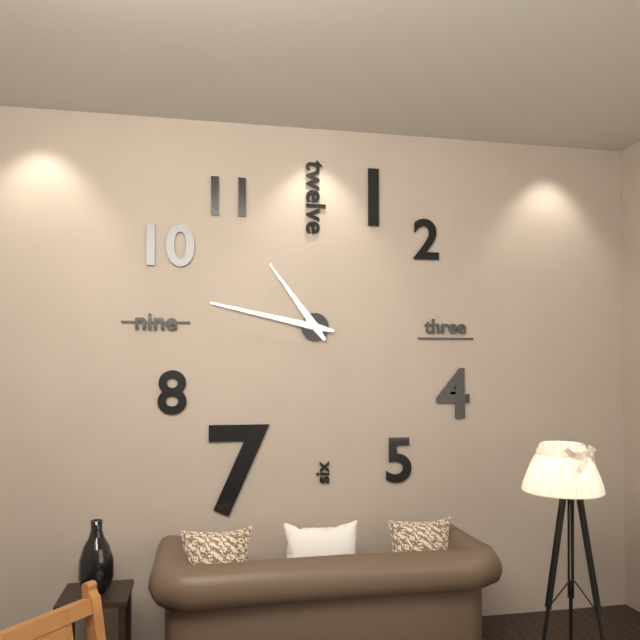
{"hour": 10, "minute": 47}
